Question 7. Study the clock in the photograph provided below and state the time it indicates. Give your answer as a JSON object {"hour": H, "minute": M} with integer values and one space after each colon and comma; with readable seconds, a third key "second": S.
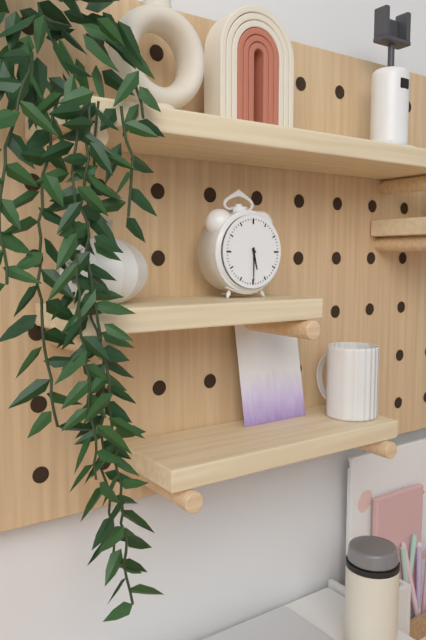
{"hour": 5, "minute": 30}
